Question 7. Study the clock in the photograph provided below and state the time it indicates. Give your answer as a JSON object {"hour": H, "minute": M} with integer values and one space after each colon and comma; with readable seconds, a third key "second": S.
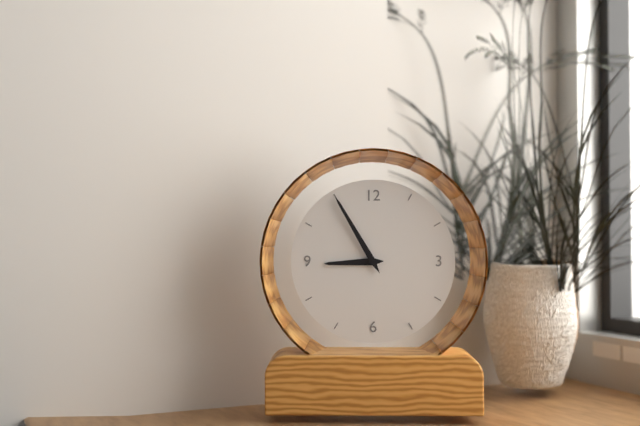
{"hour": 8, "minute": 55}
